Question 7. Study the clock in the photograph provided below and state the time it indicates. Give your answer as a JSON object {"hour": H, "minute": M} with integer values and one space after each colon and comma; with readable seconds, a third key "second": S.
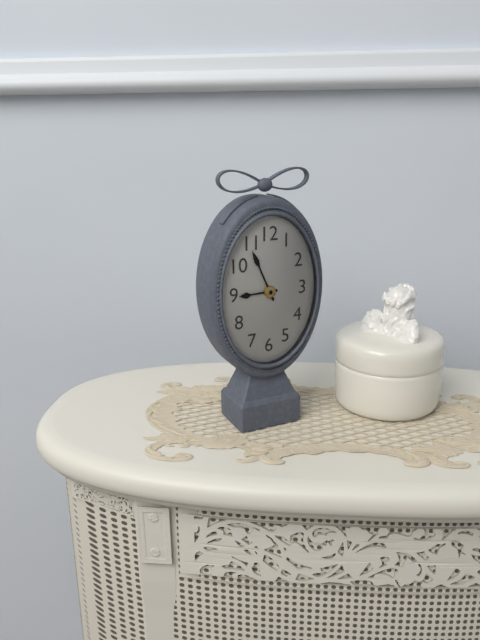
{"hour": 8, "minute": 56}
